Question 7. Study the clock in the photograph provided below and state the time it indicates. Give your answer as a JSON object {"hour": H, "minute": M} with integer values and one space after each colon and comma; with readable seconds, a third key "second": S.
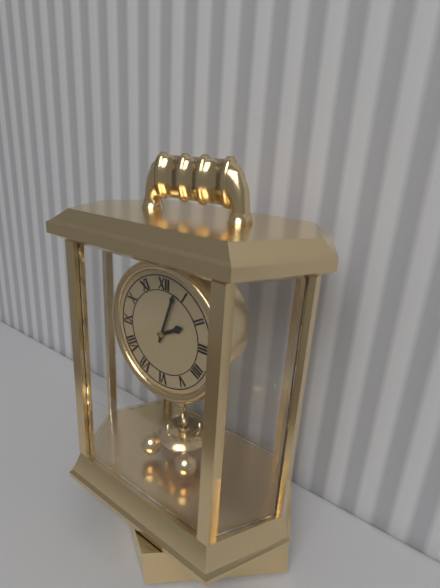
{"hour": 2, "minute": 3}
